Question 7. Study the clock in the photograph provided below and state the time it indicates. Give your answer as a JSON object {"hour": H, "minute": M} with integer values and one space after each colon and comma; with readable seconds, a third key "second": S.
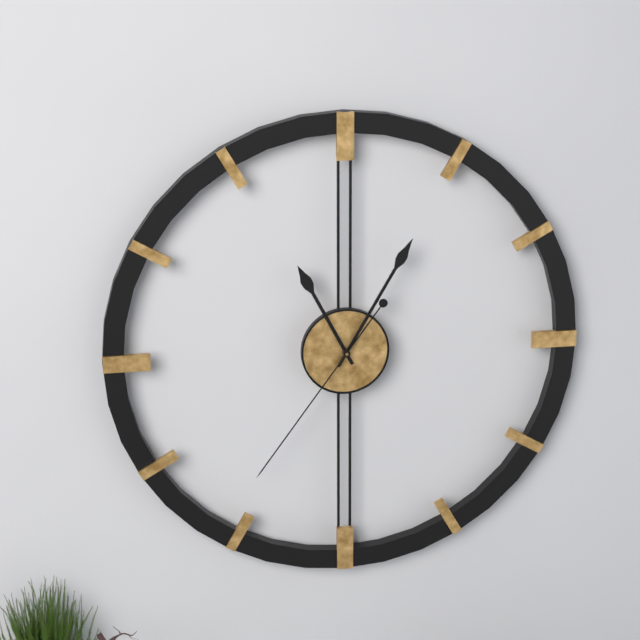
{"hour": 11, "minute": 5, "second": 36}
